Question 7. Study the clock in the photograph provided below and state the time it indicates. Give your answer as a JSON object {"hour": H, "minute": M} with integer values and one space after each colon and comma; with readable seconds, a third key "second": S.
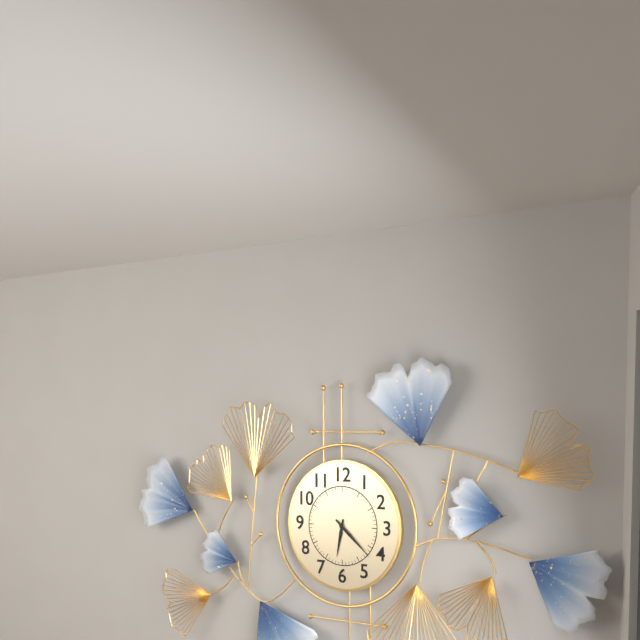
{"hour": 6, "minute": 22}
